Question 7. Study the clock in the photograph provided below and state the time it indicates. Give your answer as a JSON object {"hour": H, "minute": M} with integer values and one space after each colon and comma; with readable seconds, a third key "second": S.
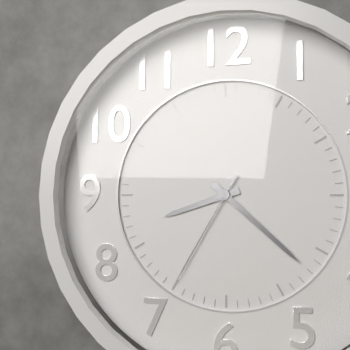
{"hour": 8, "minute": 22, "second": 35}
